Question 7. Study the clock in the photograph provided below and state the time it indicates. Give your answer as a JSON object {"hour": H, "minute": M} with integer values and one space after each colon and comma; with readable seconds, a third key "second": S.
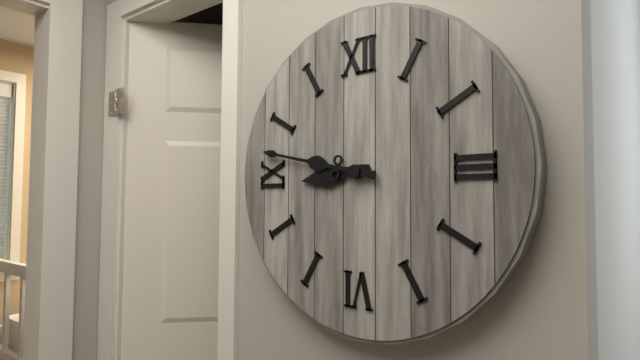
{"hour": 8, "minute": 47}
